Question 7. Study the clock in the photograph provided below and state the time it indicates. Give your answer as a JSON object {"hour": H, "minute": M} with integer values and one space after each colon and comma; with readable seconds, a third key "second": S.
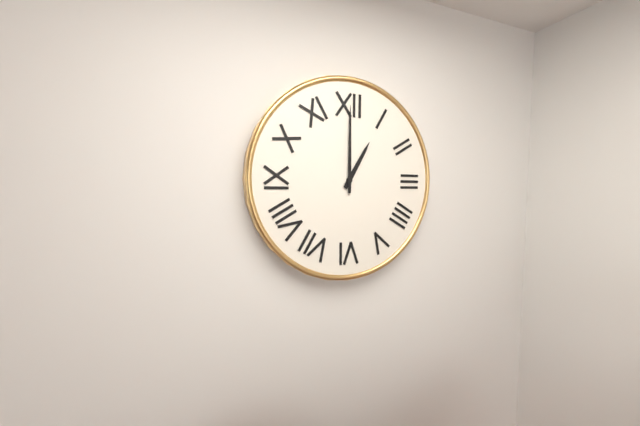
{"hour": 1, "minute": 0}
